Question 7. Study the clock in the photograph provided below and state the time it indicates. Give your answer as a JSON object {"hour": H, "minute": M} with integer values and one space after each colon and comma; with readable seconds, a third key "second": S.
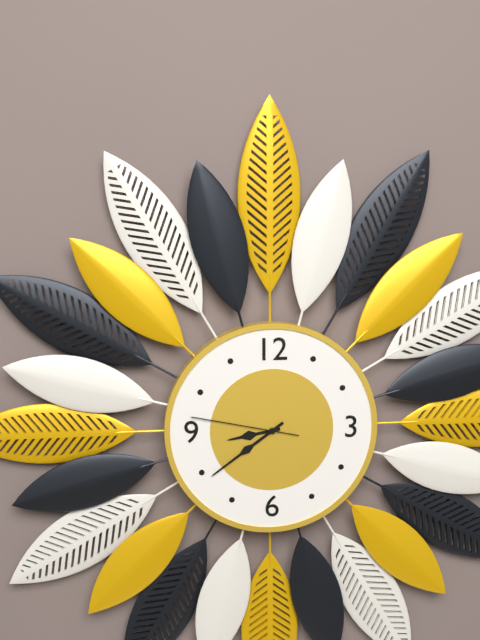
{"hour": 8, "minute": 39, "second": 47}
